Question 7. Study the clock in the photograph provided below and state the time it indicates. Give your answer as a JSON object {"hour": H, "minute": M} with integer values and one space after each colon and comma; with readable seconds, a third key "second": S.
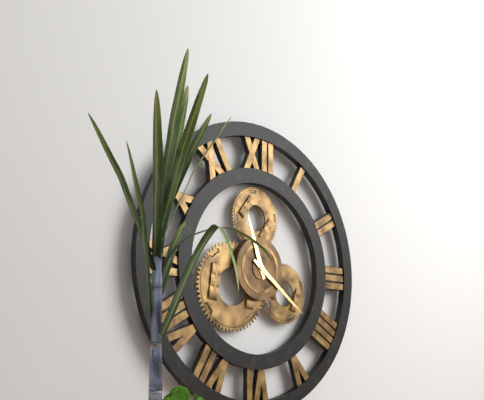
{"hour": 11, "minute": 21}
